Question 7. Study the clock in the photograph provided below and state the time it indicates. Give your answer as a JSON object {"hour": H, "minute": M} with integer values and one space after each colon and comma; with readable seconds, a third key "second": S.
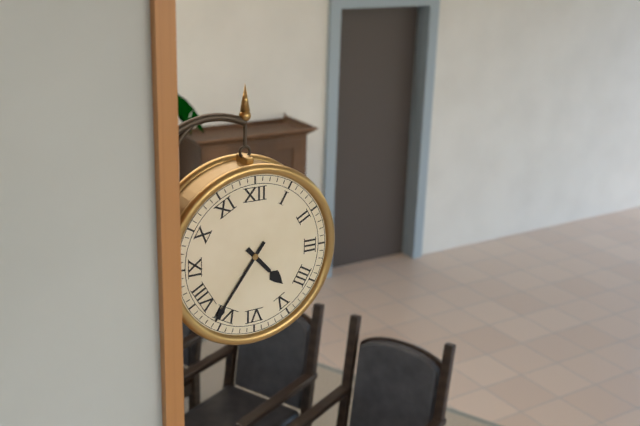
{"hour": 4, "minute": 36}
